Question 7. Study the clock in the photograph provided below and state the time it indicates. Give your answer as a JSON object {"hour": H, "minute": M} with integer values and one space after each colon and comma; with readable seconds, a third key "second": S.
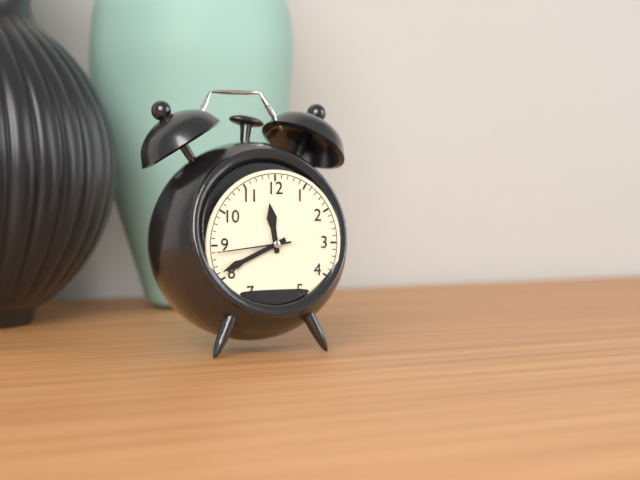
{"hour": 11, "minute": 41, "second": 44}
